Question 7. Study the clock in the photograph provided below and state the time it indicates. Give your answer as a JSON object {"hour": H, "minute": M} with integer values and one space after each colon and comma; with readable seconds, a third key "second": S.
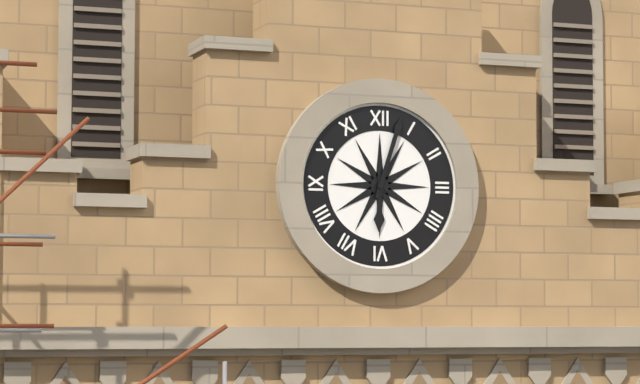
{"hour": 6, "minute": 3}
